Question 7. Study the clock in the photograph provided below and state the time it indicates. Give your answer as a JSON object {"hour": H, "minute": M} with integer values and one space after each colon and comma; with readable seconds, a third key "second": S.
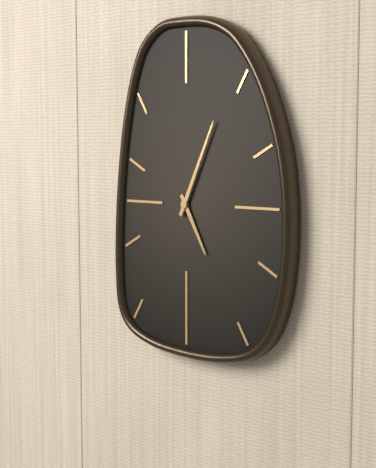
{"hour": 5, "minute": 4}
